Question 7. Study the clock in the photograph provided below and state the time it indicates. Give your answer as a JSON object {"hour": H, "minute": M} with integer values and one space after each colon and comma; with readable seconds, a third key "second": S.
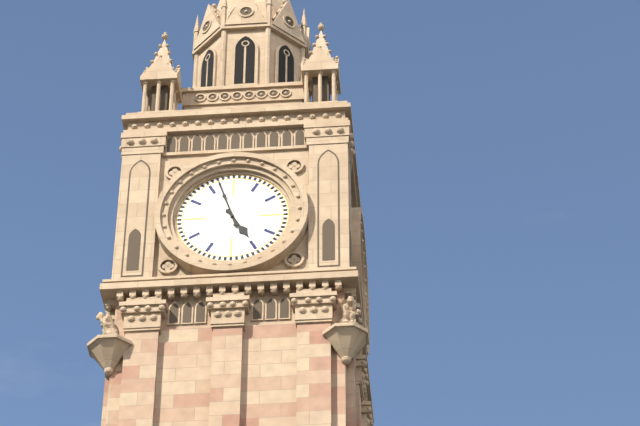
{"hour": 4, "minute": 57}
